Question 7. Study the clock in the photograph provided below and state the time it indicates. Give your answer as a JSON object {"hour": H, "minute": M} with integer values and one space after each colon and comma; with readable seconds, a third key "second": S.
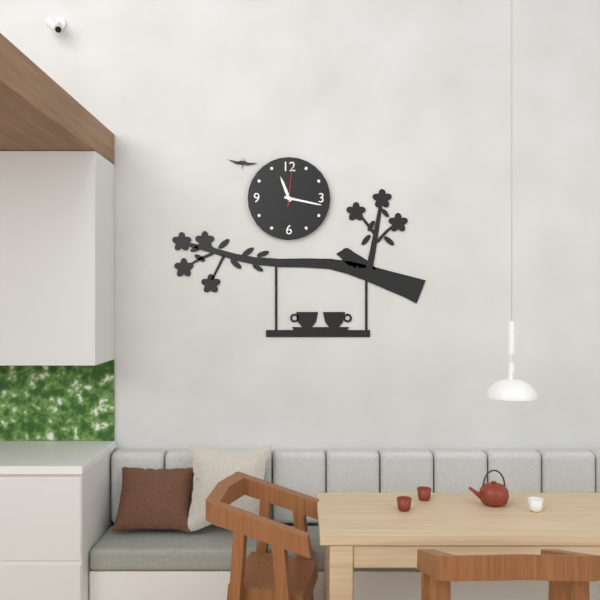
{"hour": 11, "minute": 17}
